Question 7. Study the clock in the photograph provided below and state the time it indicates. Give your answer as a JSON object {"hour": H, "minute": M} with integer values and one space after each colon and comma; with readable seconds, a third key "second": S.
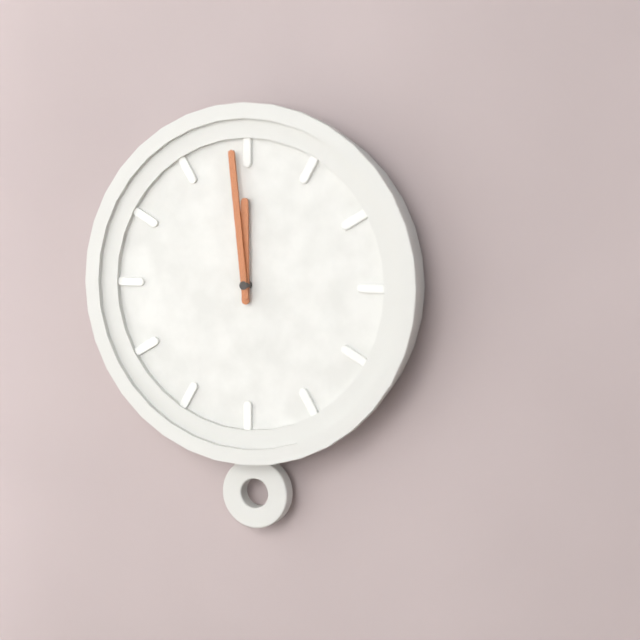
{"hour": 11, "minute": 59}
